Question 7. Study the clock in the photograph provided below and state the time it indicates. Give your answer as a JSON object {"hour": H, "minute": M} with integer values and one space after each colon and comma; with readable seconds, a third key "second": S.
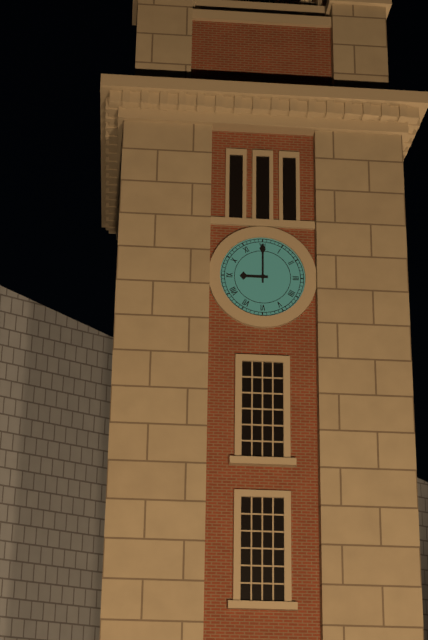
{"hour": 9, "minute": 0}
